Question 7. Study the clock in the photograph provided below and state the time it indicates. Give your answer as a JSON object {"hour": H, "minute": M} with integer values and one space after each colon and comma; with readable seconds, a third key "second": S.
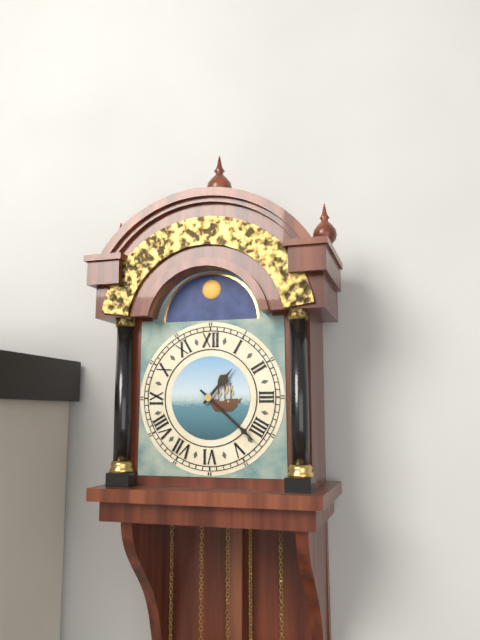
{"hour": 1, "minute": 22}
